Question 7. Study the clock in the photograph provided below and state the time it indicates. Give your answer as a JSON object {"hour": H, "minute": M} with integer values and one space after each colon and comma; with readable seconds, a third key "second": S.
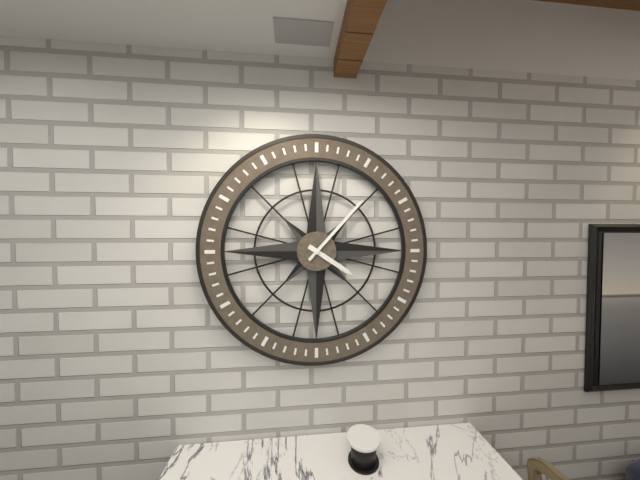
{"hour": 4, "minute": 7}
